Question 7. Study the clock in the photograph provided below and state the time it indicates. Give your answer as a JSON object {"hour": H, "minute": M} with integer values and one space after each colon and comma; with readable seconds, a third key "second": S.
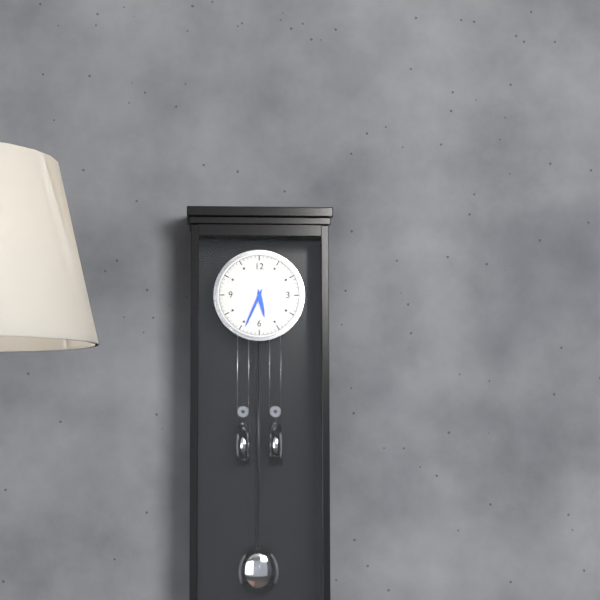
{"hour": 5, "minute": 34}
